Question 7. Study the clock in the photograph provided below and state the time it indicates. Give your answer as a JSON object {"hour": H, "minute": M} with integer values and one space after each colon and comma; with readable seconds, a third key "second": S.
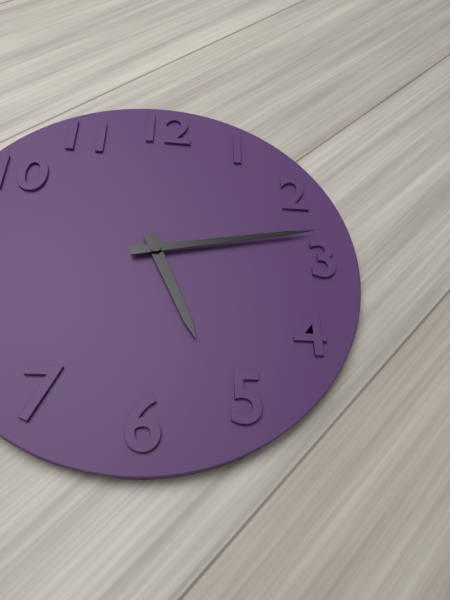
{"hour": 5, "minute": 13}
